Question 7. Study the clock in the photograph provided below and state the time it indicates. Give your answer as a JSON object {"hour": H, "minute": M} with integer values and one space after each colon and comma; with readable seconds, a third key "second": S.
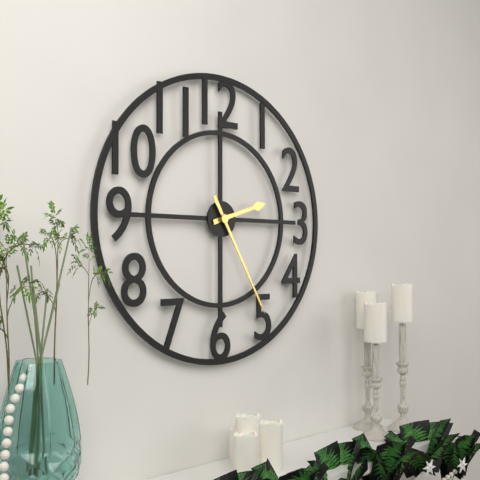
{"hour": 2, "minute": 25}
